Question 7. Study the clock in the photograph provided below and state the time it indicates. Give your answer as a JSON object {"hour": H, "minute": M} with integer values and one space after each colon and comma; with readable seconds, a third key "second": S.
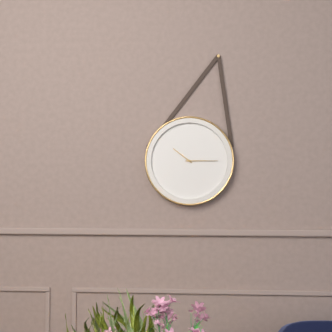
{"hour": 10, "minute": 15}
